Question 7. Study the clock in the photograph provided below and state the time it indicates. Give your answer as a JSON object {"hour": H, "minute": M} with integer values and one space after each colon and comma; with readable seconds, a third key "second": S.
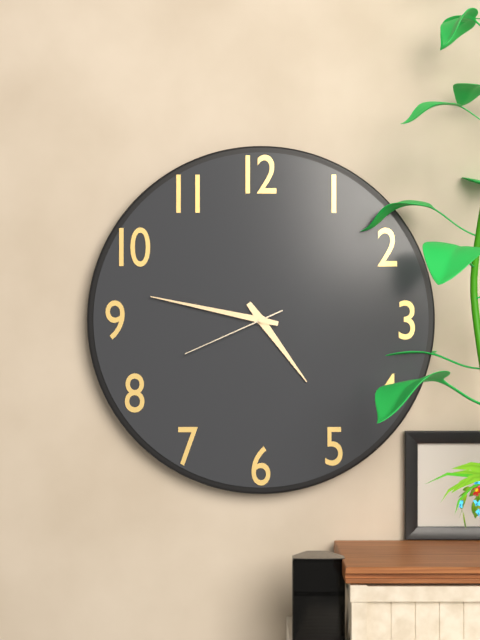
{"hour": 4, "minute": 47, "second": 41}
